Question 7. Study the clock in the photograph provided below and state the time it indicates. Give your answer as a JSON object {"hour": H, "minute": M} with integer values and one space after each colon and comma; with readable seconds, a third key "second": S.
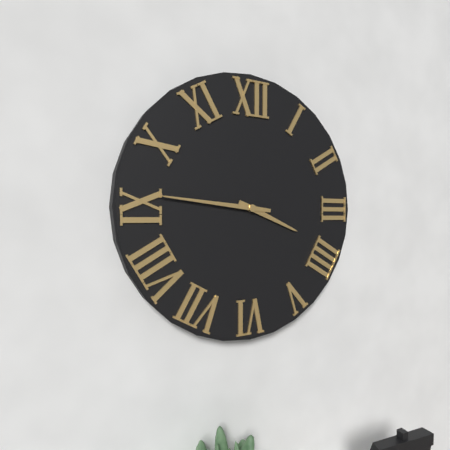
{"hour": 3, "minute": 46}
